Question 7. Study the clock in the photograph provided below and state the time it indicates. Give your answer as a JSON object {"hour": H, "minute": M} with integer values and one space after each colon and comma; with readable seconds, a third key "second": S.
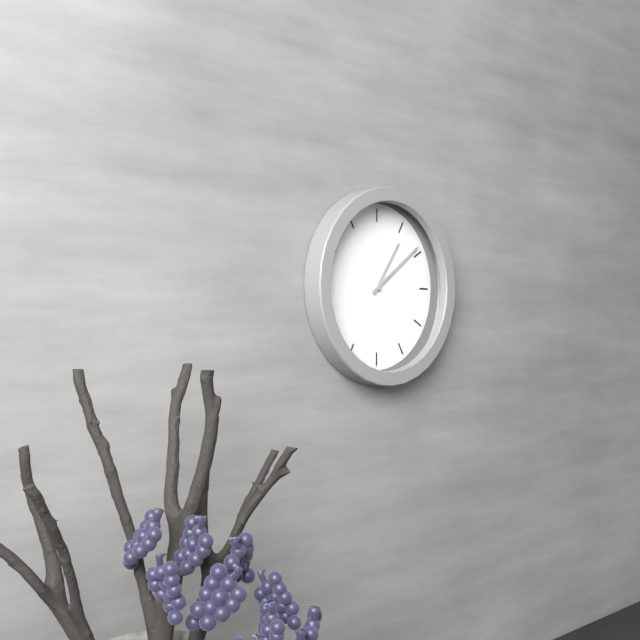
{"hour": 1, "minute": 9}
